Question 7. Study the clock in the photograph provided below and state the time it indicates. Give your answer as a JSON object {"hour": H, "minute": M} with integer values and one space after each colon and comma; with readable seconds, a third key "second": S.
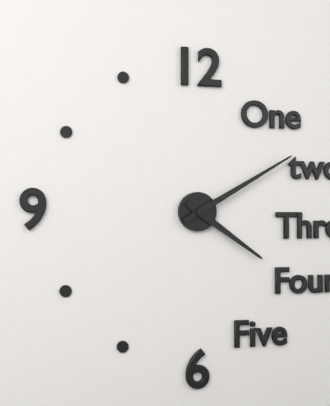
{"hour": 4, "minute": 10}
